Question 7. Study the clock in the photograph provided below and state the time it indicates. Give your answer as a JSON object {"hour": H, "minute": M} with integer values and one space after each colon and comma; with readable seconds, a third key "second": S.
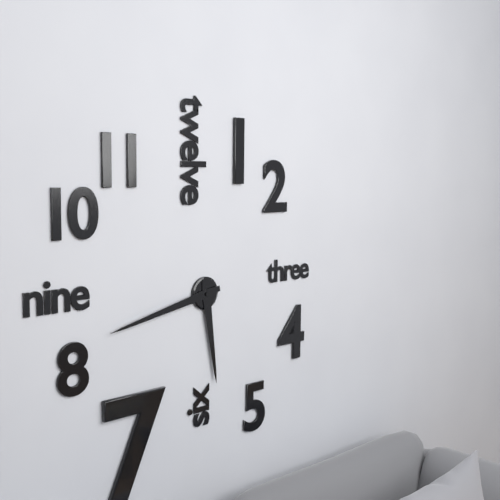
{"hour": 5, "minute": 43}
